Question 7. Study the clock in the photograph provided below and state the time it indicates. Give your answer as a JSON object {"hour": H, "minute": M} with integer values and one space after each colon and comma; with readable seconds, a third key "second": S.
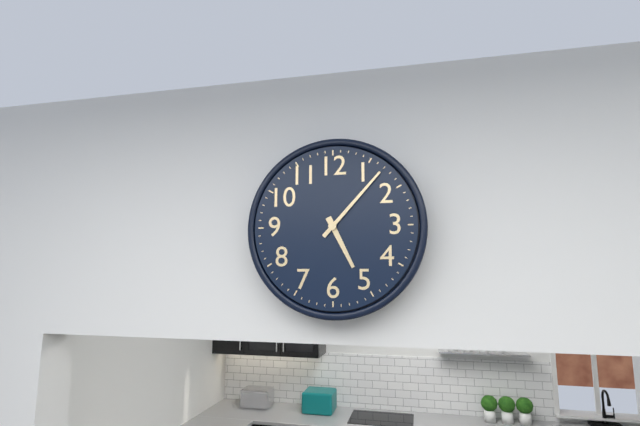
{"hour": 5, "minute": 7}
